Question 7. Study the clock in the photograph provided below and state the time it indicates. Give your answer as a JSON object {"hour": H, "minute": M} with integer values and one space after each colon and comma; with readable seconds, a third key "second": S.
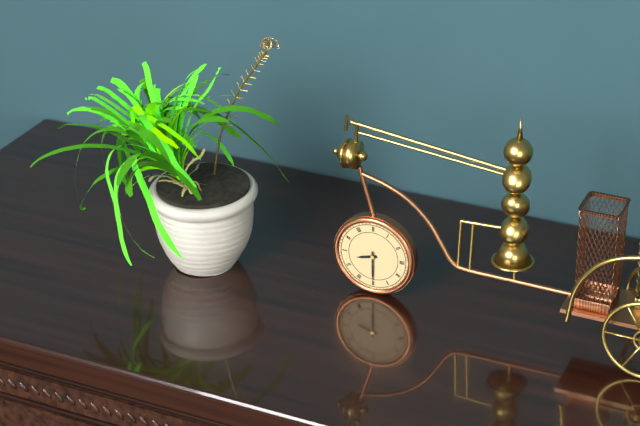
{"hour": 8, "minute": 30}
